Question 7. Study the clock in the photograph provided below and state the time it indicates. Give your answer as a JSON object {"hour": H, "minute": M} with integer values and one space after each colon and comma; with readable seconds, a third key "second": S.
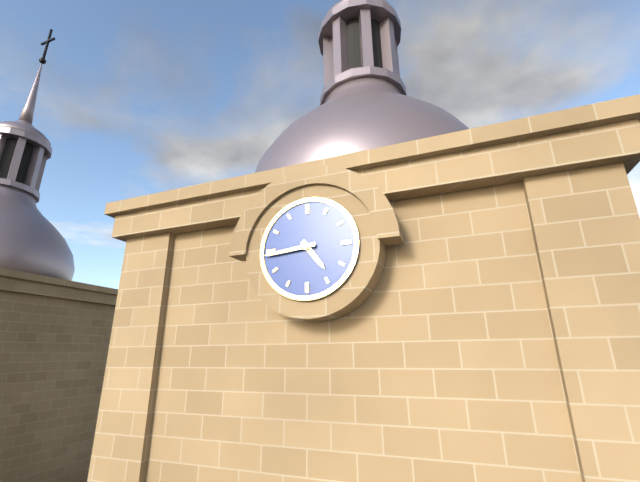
{"hour": 4, "minute": 44}
